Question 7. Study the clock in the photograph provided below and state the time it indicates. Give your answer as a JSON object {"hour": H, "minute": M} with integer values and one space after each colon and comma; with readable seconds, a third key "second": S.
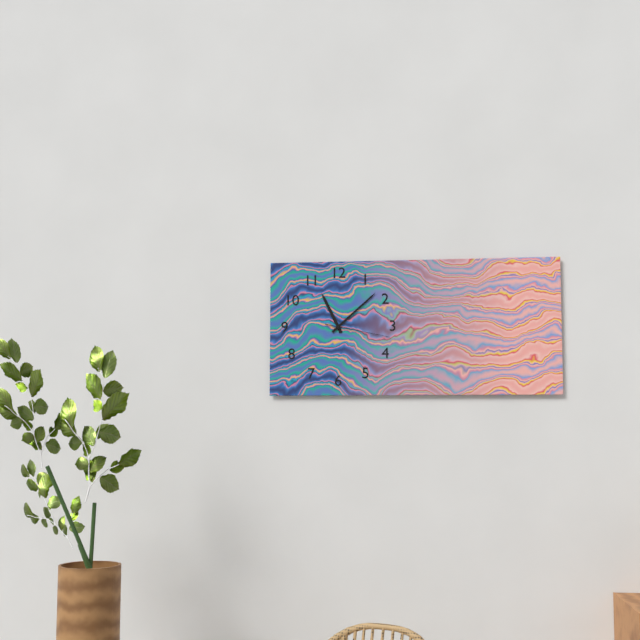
{"hour": 11, "minute": 8, "second": 17}
